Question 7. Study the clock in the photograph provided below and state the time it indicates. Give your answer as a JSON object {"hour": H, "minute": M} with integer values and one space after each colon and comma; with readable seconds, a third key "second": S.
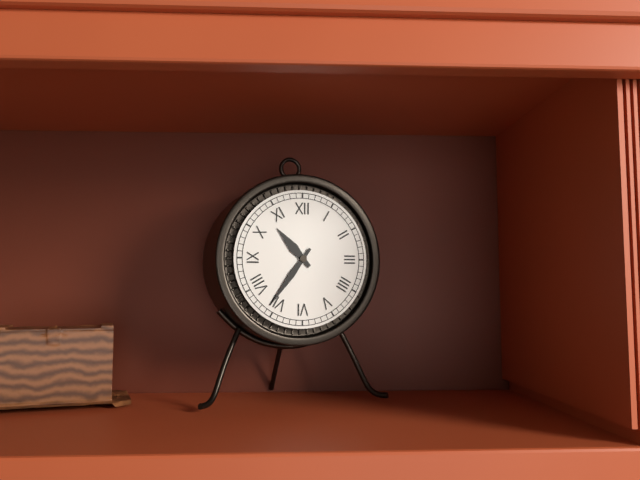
{"hour": 10, "minute": 36}
